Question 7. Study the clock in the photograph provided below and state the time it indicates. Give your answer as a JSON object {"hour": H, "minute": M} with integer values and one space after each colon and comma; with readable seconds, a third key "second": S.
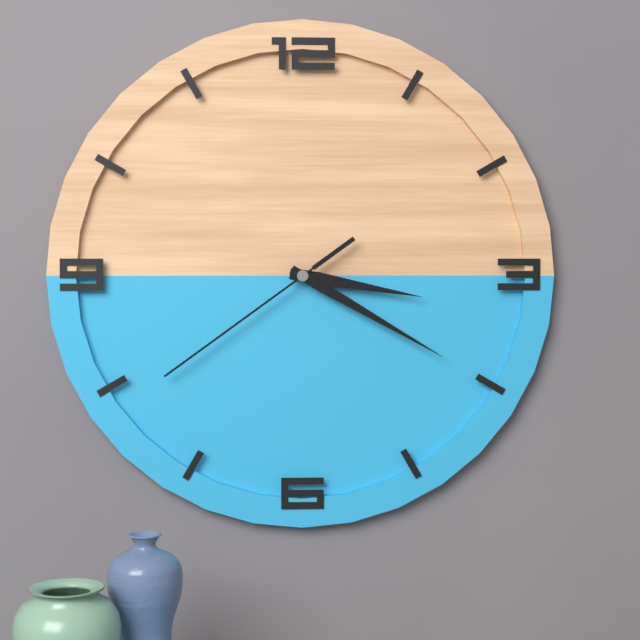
{"hour": 3, "minute": 20, "second": 39}
